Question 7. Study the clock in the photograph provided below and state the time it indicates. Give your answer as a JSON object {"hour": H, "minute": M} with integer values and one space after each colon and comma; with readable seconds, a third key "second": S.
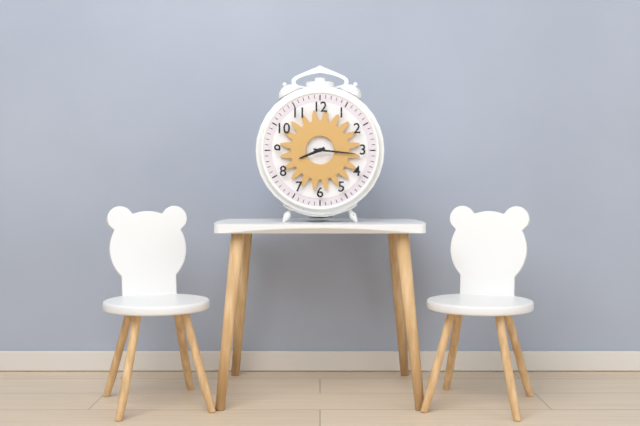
{"hour": 8, "minute": 16}
